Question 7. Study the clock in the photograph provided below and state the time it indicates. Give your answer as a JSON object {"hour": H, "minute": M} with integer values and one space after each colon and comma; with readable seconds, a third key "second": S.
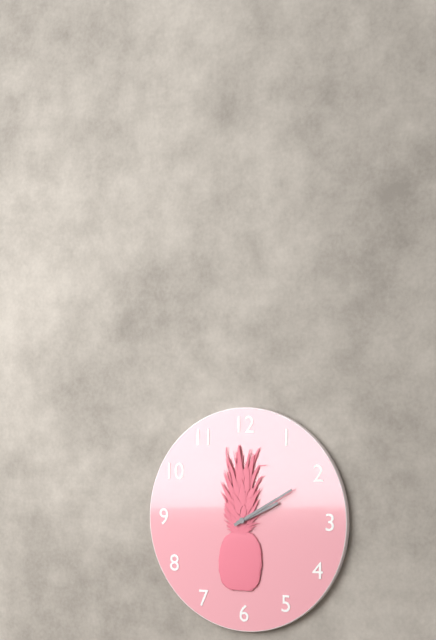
{"hour": 2, "minute": 10}
